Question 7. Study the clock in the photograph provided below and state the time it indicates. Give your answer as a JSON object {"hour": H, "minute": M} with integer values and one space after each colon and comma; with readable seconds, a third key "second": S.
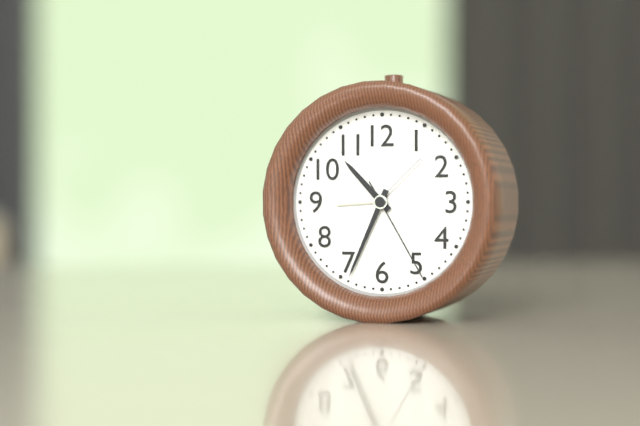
{"hour": 10, "minute": 34, "second": 25}
